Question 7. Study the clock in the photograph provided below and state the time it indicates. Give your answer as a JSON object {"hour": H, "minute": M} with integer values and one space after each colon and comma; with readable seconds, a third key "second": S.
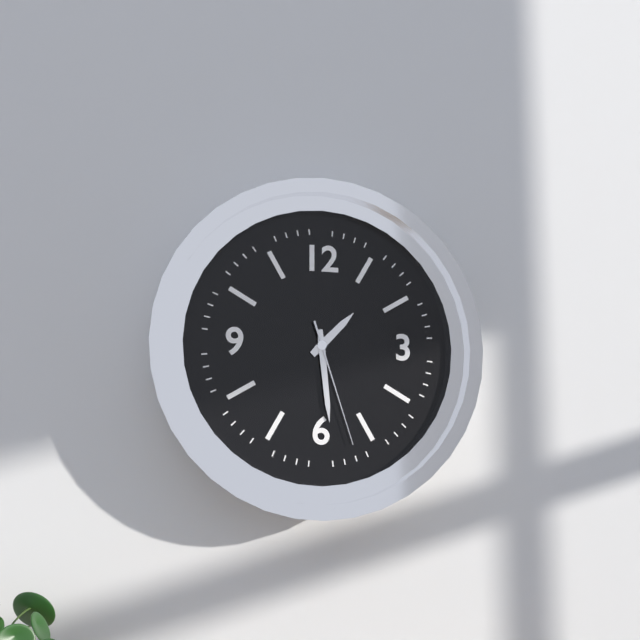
{"hour": 1, "minute": 29, "second": 27}
